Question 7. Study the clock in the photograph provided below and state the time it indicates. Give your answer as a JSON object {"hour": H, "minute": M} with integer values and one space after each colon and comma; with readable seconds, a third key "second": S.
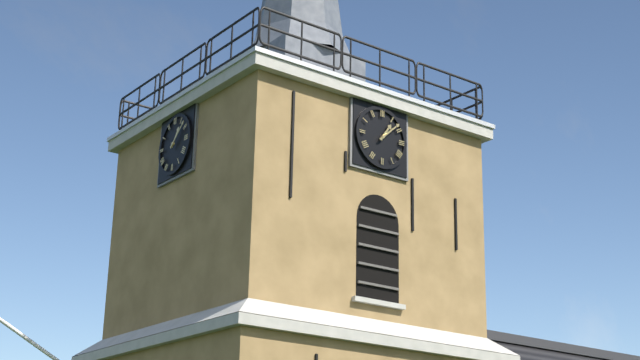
{"hour": 1, "minute": 8}
